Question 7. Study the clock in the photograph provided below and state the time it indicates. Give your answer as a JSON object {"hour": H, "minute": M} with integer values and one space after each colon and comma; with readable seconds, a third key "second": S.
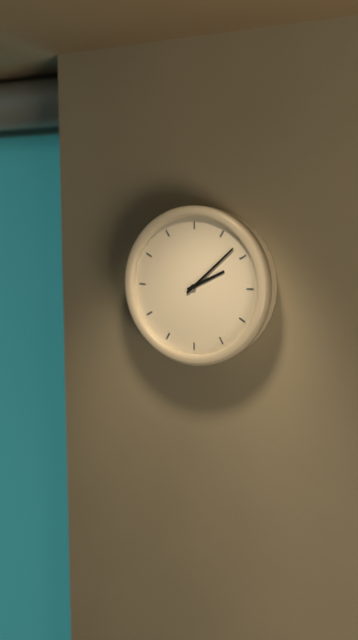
{"hour": 2, "minute": 8}
